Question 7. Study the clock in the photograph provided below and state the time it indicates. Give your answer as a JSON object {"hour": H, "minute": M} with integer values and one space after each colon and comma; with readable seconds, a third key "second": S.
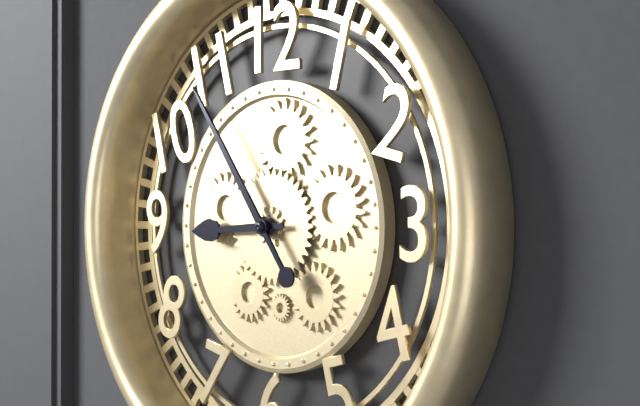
{"hour": 8, "minute": 54}
